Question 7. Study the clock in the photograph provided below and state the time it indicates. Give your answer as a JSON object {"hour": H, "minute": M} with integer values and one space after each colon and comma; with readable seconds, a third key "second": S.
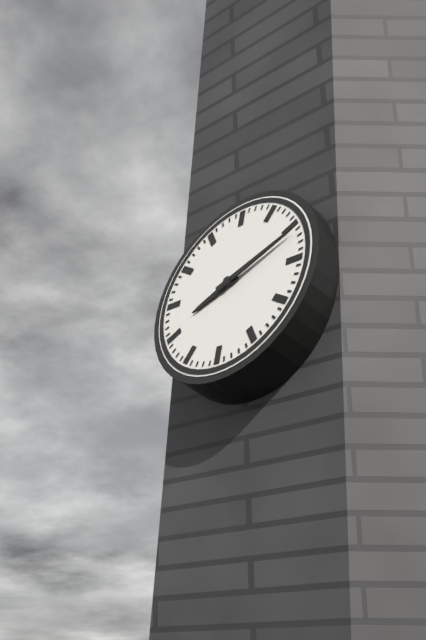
{"hour": 8, "minute": 11}
